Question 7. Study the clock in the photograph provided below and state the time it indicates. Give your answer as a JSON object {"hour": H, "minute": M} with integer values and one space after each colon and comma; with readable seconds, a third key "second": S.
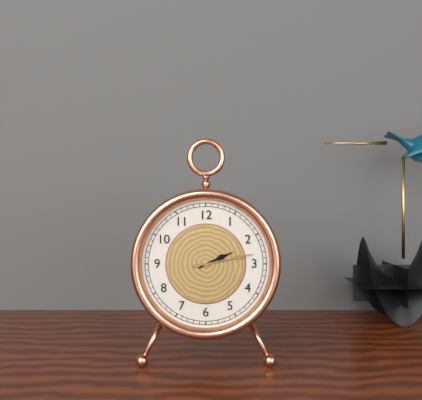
{"hour": 2, "minute": 13}
